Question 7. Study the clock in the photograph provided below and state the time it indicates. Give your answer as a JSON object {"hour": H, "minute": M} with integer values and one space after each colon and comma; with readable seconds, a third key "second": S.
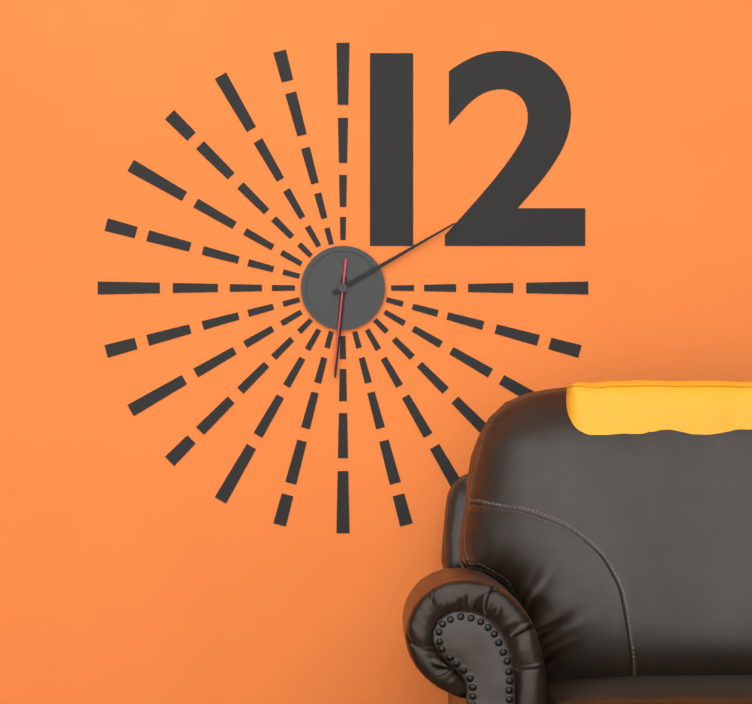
{"hour": 6, "minute": 10, "second": 31}
